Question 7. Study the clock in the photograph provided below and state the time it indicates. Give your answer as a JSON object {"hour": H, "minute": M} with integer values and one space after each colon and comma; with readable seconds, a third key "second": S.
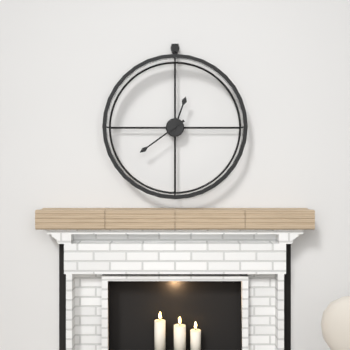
{"hour": 12, "minute": 39}
